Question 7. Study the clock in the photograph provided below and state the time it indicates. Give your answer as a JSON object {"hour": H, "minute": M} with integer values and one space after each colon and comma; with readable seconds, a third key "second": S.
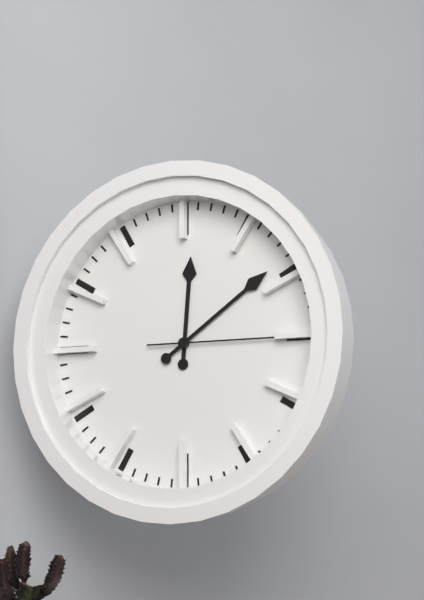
{"hour": 12, "minute": 9, "second": 15}
